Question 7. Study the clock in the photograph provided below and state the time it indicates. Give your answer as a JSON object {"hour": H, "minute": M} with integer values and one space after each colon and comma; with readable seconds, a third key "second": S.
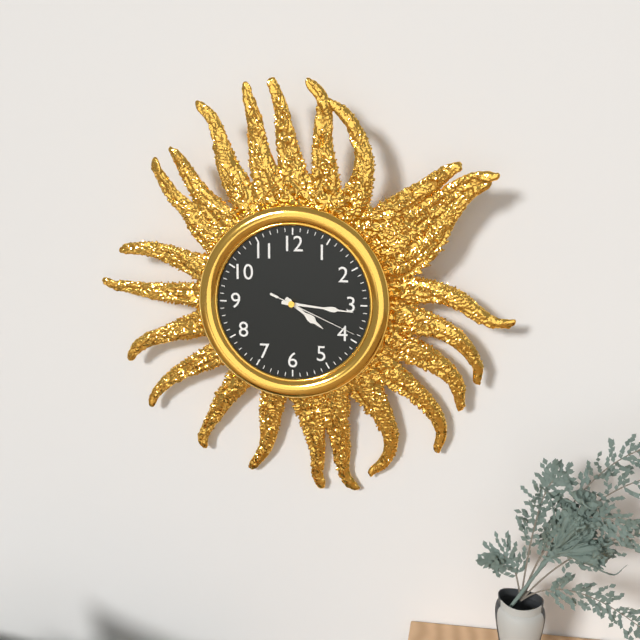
{"hour": 4, "minute": 16, "second": 19}
